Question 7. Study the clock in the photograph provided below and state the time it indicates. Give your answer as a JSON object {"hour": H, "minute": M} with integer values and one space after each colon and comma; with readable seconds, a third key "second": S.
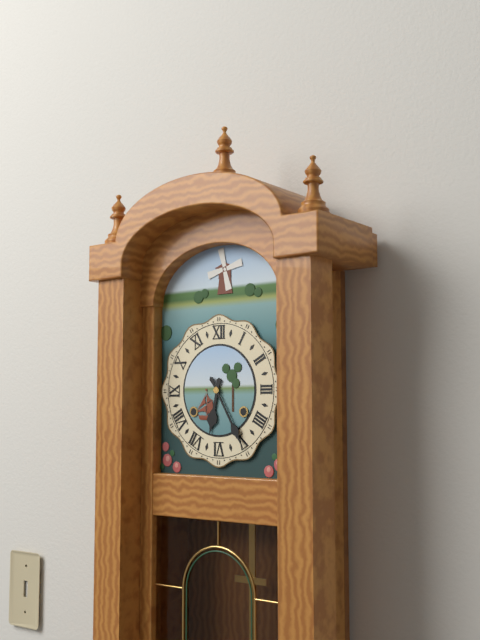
{"hour": 6, "minute": 25}
